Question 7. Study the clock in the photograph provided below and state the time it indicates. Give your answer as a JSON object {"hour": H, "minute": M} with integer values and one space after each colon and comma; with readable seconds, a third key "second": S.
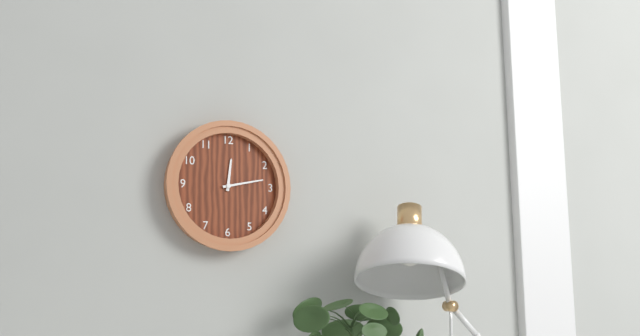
{"hour": 12, "minute": 13}
